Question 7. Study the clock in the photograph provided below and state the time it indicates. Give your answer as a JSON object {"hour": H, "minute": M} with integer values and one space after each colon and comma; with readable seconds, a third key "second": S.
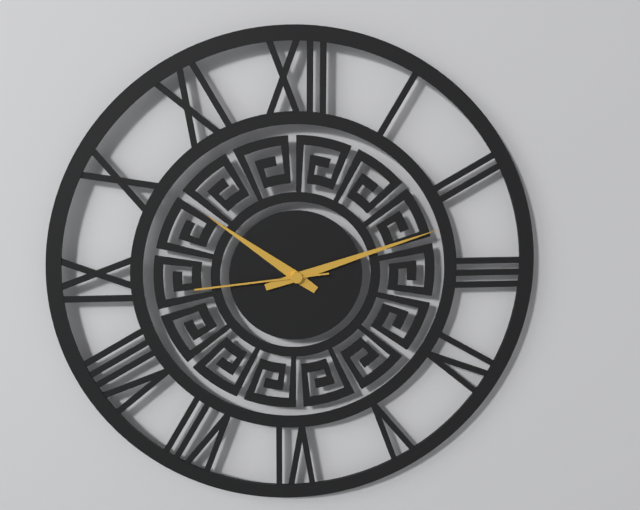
{"hour": 10, "minute": 12, "second": 44}
